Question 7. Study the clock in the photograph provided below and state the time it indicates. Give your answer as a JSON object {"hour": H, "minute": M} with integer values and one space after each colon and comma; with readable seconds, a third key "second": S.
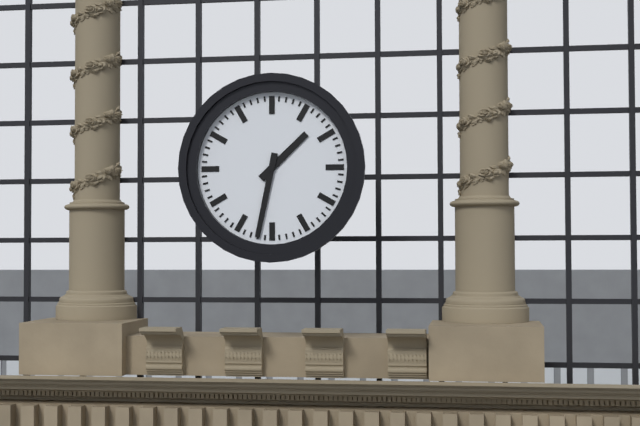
{"hour": 1, "minute": 32}
